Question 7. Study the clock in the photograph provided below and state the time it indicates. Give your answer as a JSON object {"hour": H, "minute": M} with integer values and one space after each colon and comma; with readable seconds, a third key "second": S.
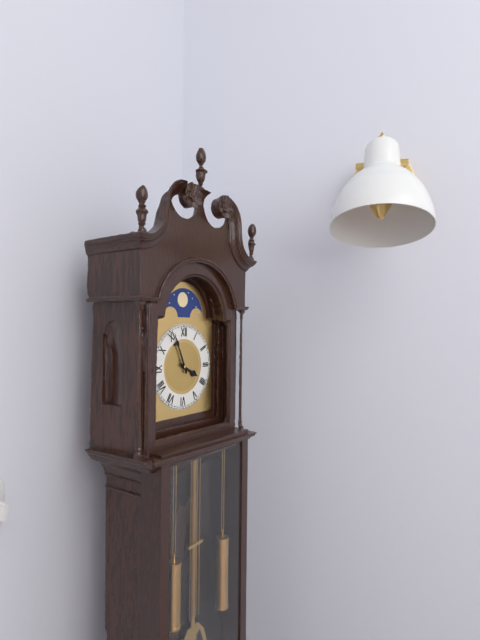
{"hour": 3, "minute": 56}
